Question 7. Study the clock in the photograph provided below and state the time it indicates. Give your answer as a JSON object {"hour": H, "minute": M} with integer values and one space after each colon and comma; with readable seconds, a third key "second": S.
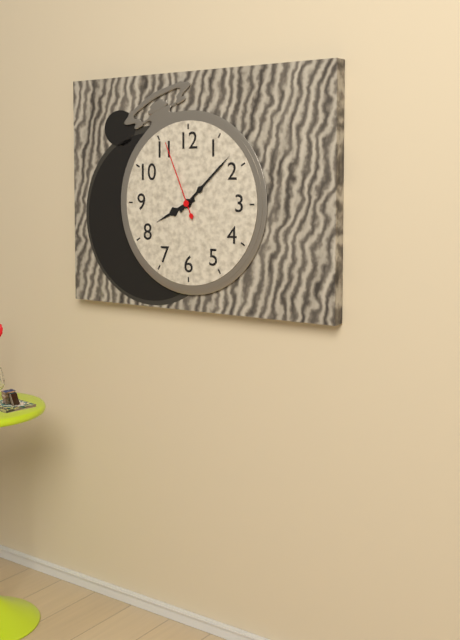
{"hour": 8, "minute": 8, "second": 56}
